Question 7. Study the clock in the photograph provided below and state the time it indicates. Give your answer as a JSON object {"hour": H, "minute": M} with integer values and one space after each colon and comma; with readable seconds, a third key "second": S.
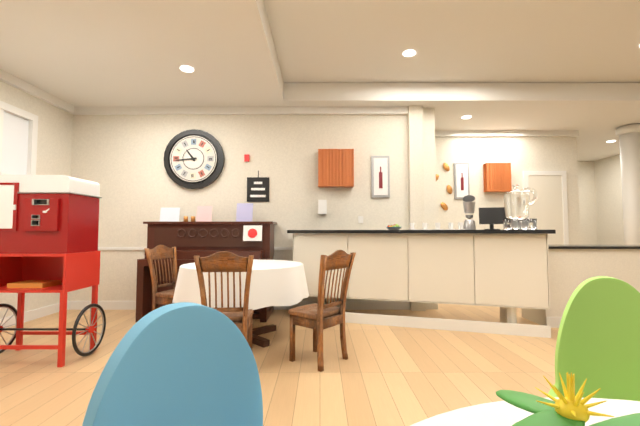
{"hour": 10, "minute": 44}
